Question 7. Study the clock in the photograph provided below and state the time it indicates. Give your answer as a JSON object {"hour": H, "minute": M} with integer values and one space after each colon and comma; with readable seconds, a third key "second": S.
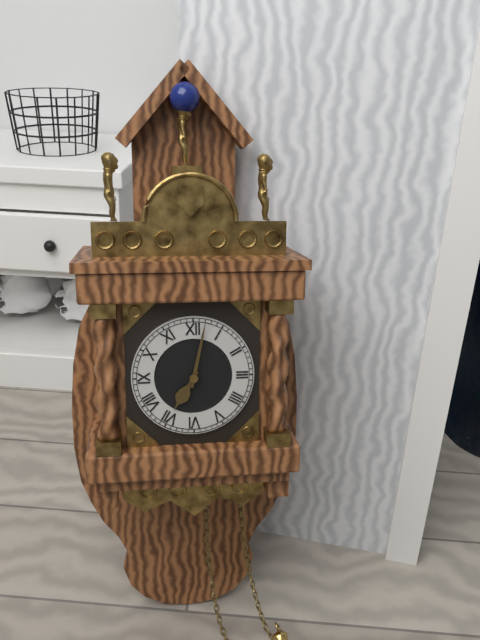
{"hour": 7, "minute": 2}
